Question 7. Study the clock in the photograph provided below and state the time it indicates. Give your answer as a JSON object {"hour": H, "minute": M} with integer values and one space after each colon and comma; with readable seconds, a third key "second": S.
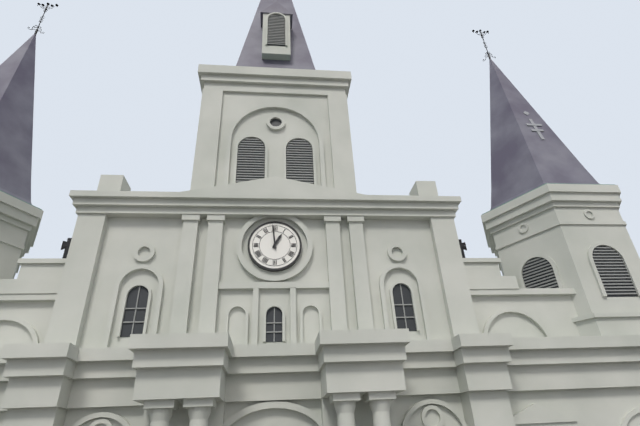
{"hour": 12, "minute": 59}
